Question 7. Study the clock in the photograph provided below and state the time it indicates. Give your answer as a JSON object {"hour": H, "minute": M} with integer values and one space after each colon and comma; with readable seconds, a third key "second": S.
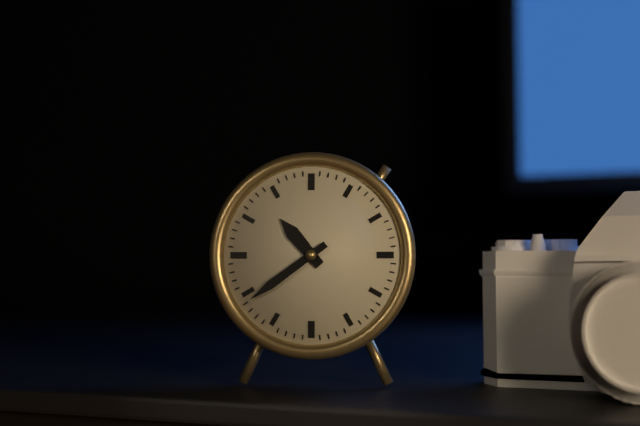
{"hour": 10, "minute": 39}
